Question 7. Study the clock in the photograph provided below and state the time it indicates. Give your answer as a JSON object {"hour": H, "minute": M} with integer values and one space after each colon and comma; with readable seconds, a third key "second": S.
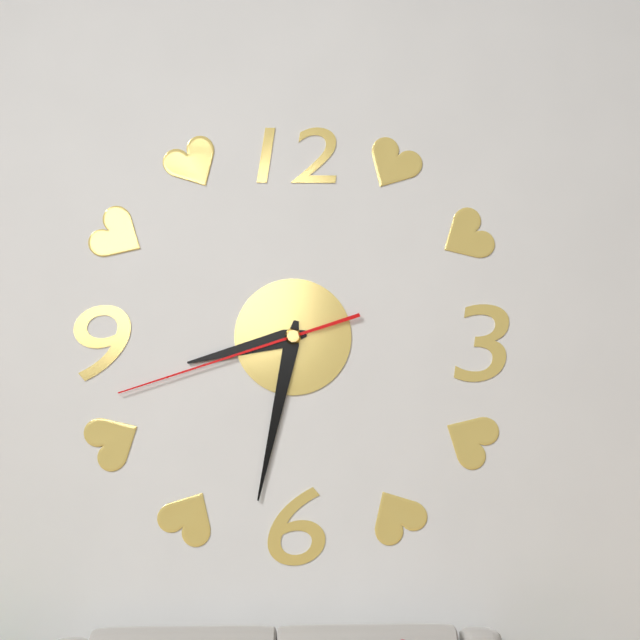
{"hour": 8, "minute": 32, "second": 42}
